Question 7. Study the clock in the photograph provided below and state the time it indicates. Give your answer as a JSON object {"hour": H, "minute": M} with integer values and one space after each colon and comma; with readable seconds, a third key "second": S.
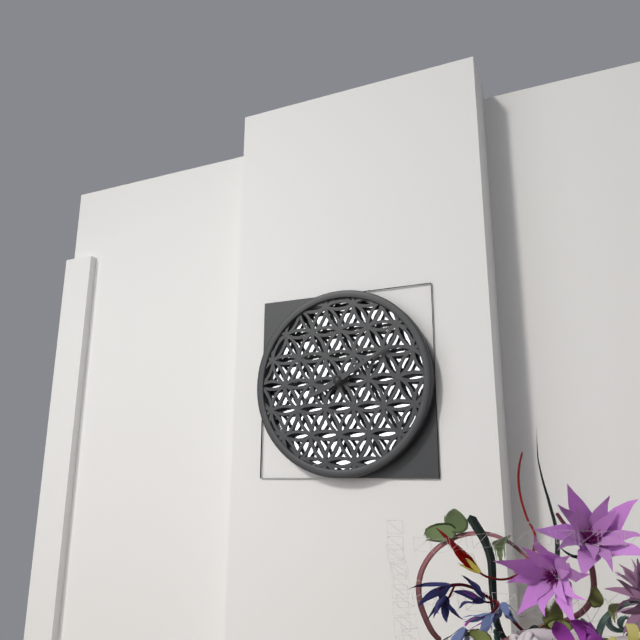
{"hour": 8, "minute": 10}
